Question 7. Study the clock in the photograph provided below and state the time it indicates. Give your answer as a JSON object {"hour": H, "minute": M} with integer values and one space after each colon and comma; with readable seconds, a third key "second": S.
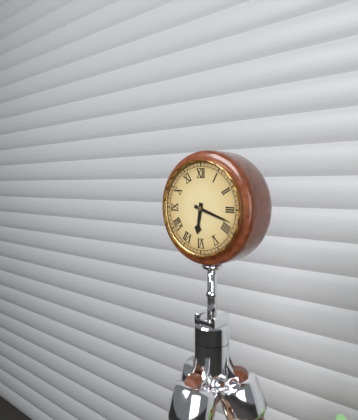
{"hour": 6, "minute": 18}
